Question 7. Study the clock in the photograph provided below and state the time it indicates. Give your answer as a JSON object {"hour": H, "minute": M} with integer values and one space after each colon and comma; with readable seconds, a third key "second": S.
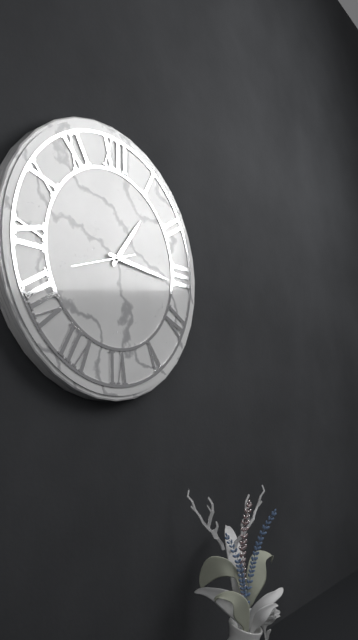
{"hour": 1, "minute": 16}
